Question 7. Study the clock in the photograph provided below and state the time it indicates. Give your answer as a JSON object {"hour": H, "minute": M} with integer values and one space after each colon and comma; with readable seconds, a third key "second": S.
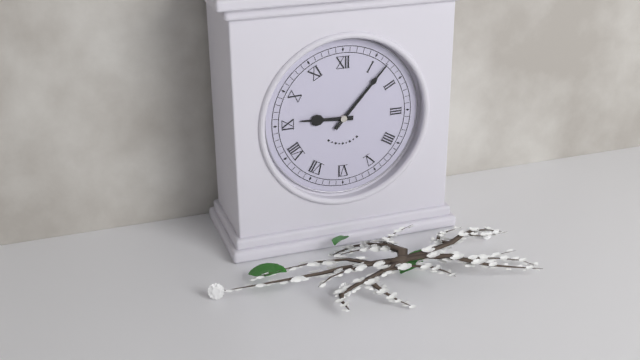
{"hour": 9, "minute": 7}
